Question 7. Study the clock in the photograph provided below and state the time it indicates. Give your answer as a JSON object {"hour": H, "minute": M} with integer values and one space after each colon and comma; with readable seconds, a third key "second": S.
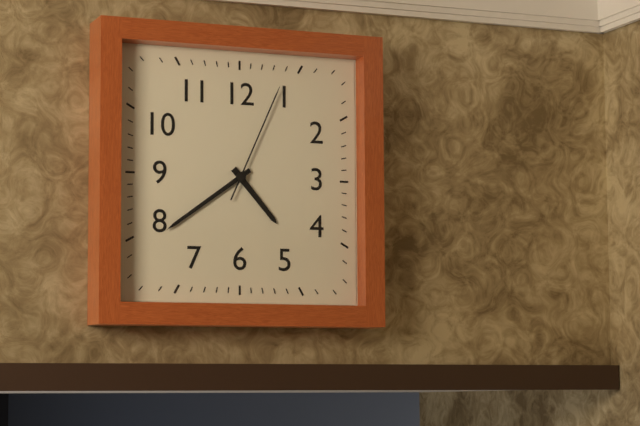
{"hour": 4, "minute": 39, "second": 4}
